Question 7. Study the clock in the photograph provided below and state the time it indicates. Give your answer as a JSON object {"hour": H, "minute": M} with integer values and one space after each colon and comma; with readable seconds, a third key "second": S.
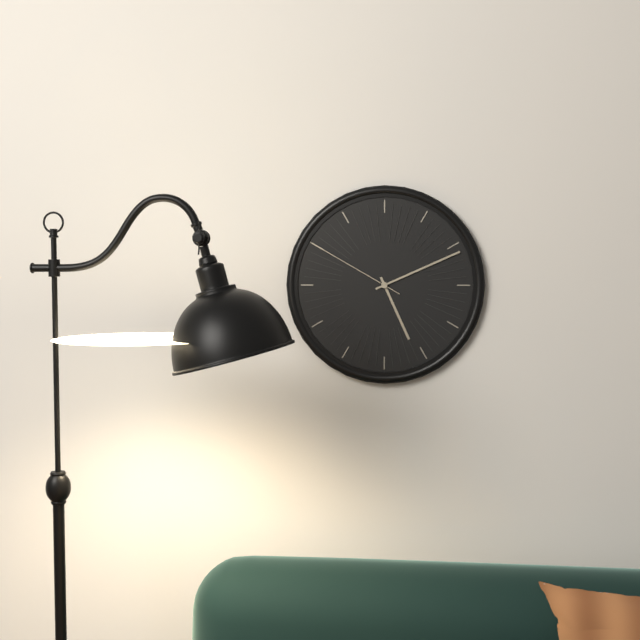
{"hour": 5, "minute": 11, "second": 50}
